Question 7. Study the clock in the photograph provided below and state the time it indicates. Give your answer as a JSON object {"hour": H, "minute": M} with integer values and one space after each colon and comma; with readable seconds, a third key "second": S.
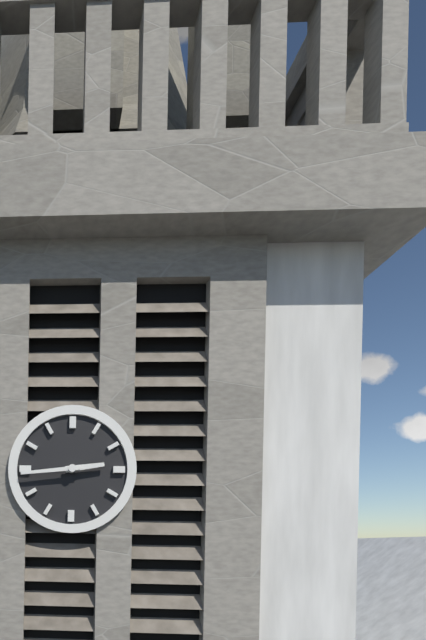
{"hour": 2, "minute": 44}
